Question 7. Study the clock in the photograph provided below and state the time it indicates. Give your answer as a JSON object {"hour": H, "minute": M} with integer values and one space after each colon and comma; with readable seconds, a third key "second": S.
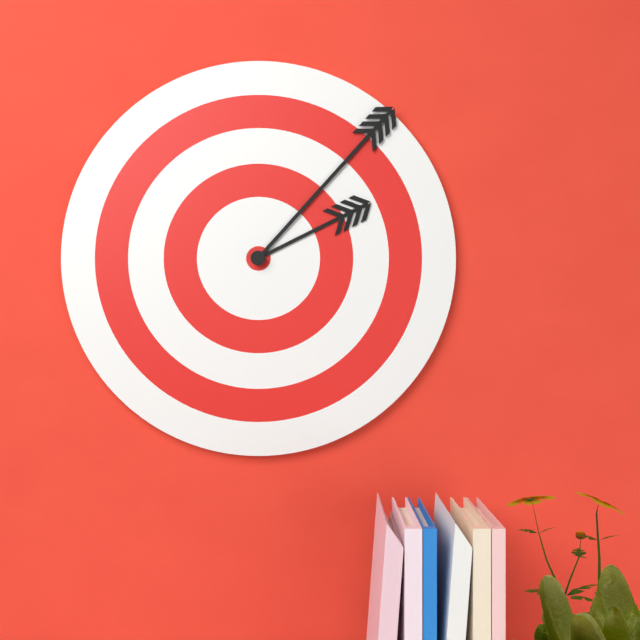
{"hour": 2, "minute": 7}
